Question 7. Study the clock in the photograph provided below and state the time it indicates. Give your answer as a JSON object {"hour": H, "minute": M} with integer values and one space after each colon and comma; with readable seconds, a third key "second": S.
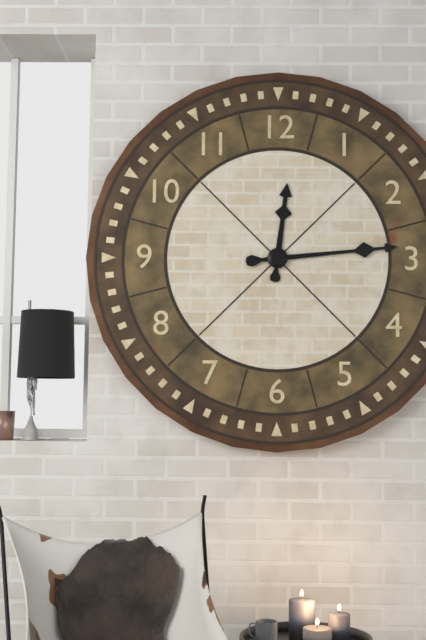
{"hour": 12, "minute": 14}
